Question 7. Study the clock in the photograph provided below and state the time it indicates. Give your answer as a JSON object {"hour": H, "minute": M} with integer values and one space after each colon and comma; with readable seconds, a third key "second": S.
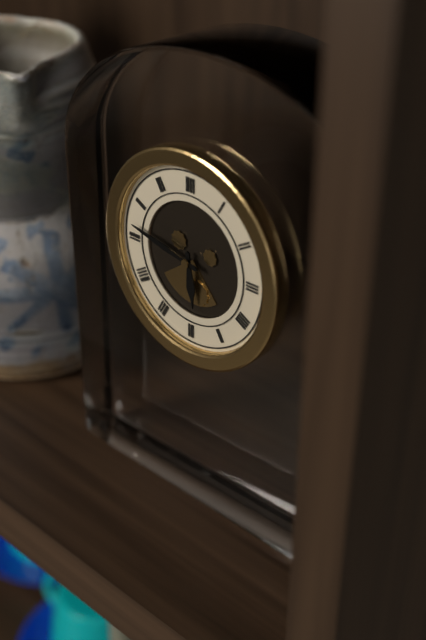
{"hour": 5, "minute": 47}
